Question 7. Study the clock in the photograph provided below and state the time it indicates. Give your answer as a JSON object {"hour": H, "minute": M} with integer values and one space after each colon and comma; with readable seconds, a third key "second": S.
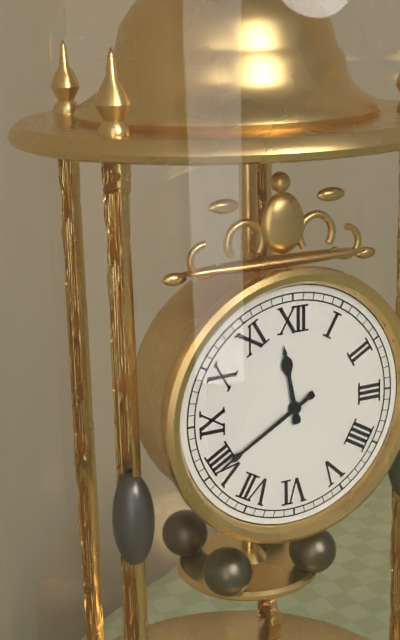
{"hour": 11, "minute": 40}
